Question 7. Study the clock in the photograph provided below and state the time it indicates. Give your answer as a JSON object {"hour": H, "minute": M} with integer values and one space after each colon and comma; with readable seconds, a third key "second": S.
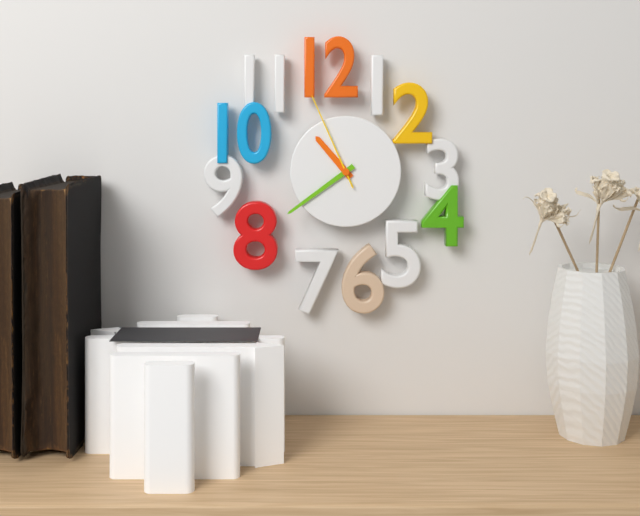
{"hour": 10, "minute": 39, "second": 56}
